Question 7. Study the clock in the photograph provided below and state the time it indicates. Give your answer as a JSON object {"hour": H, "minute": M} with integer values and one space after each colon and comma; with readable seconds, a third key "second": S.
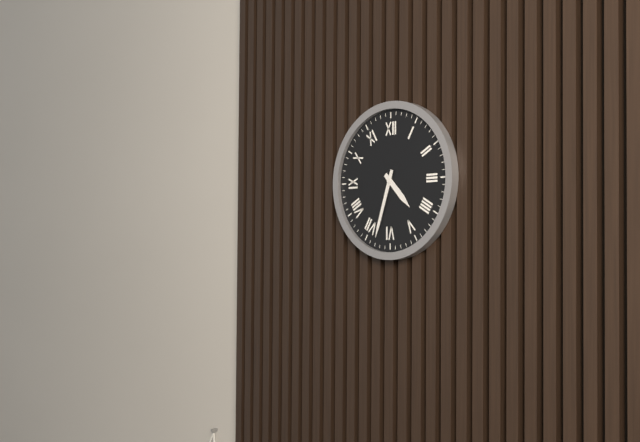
{"hour": 4, "minute": 33}
